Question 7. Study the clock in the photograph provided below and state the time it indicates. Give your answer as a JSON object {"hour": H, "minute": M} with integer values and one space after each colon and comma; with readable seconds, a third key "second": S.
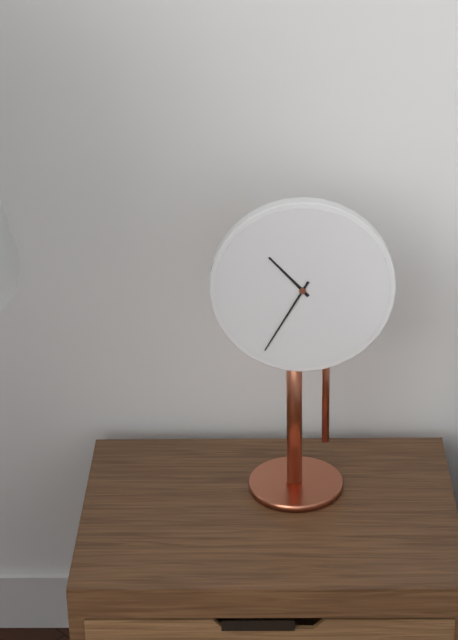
{"hour": 10, "minute": 35}
